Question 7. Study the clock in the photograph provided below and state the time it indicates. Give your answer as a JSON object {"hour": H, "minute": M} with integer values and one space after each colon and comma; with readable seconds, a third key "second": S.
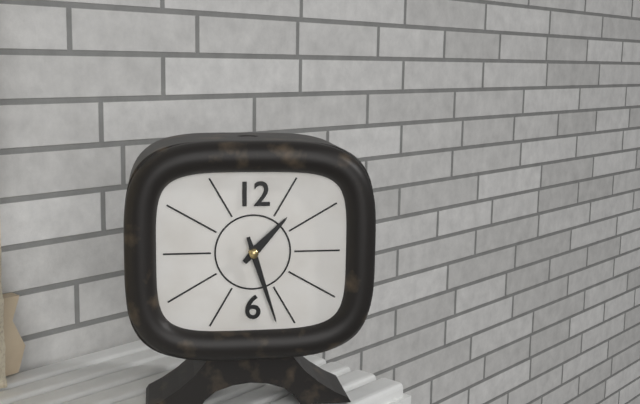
{"hour": 1, "minute": 27}
